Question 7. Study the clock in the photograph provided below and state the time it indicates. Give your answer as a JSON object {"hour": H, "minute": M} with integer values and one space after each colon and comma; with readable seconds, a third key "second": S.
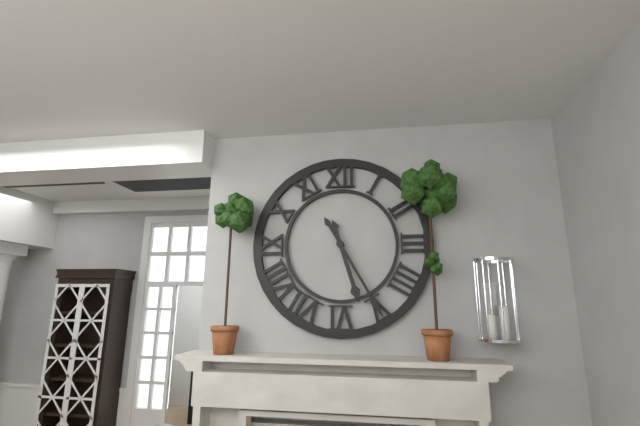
{"hour": 5, "minute": 25}
